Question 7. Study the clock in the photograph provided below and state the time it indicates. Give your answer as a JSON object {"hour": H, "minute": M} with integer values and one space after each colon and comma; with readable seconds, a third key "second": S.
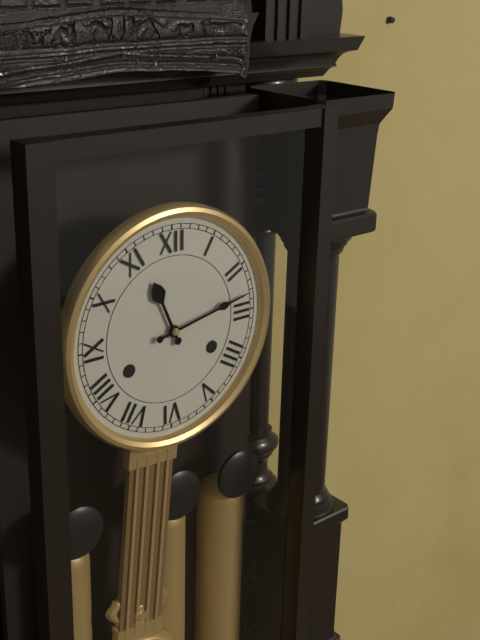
{"hour": 11, "minute": 13}
